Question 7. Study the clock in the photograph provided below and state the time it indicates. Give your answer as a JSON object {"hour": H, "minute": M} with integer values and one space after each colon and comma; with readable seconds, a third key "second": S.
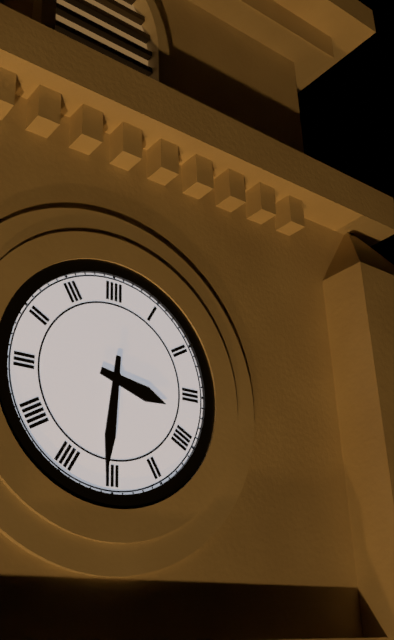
{"hour": 3, "minute": 31}
